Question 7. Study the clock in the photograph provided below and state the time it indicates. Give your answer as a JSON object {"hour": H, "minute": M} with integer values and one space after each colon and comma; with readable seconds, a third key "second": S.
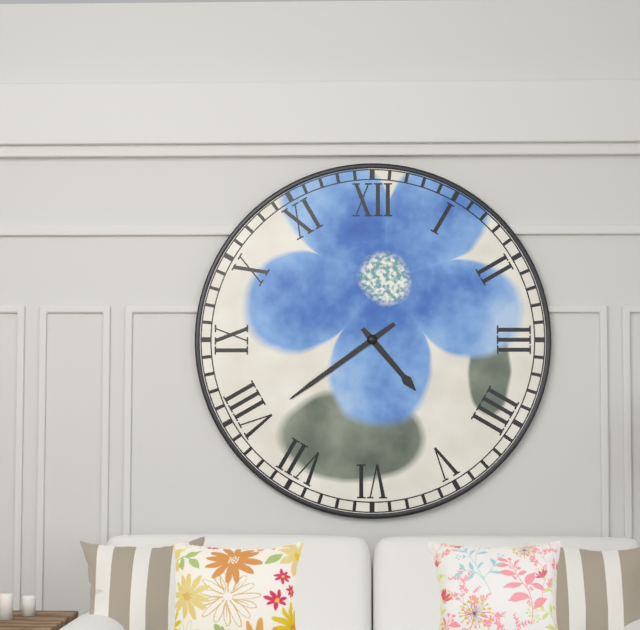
{"hour": 4, "minute": 39}
